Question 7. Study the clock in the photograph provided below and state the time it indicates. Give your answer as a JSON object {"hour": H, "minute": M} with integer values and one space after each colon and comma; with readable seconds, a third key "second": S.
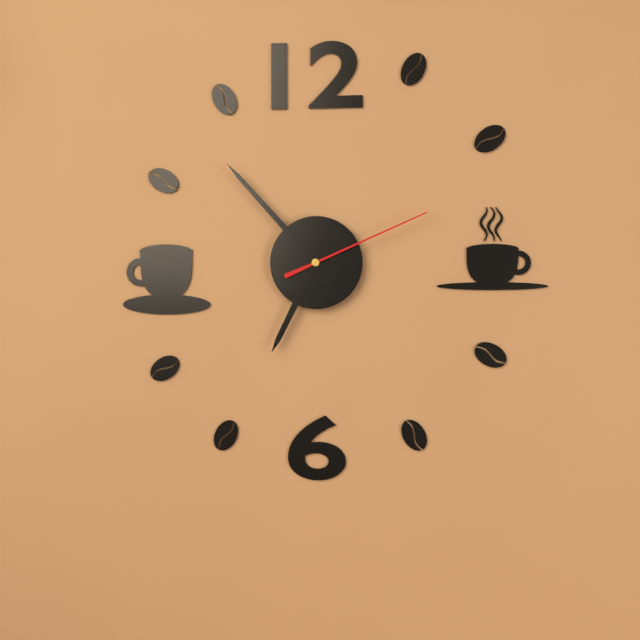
{"hour": 6, "minute": 53, "second": 11}
